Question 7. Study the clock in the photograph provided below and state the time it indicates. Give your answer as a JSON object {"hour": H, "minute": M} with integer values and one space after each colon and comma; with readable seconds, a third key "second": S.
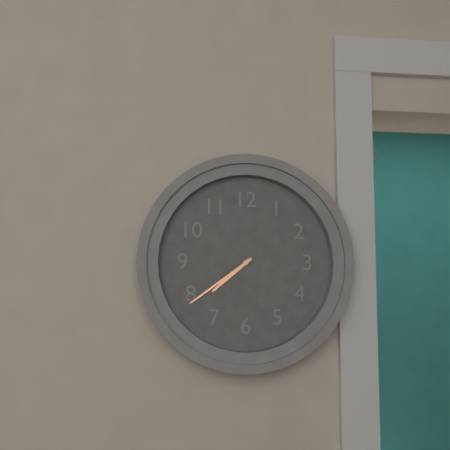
{"hour": 7, "minute": 39}
